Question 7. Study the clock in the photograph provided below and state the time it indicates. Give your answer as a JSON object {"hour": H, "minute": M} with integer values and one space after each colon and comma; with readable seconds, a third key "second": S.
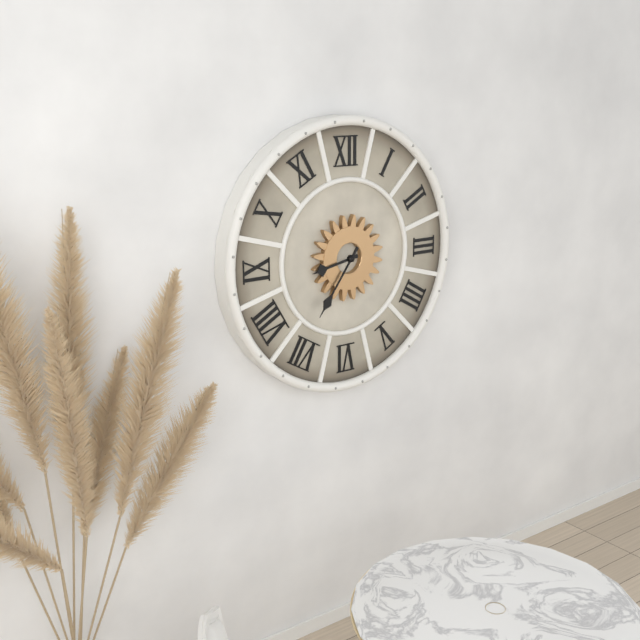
{"hour": 8, "minute": 36}
